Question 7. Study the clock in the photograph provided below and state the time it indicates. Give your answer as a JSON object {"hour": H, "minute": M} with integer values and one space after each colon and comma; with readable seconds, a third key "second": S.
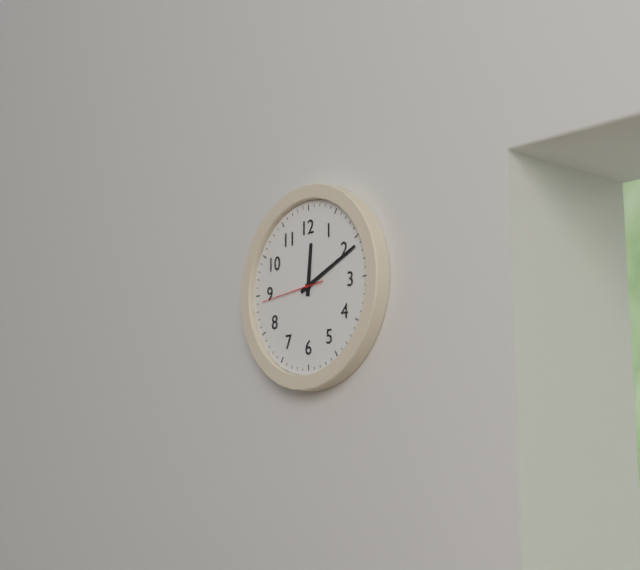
{"hour": 12, "minute": 11, "second": 44}
